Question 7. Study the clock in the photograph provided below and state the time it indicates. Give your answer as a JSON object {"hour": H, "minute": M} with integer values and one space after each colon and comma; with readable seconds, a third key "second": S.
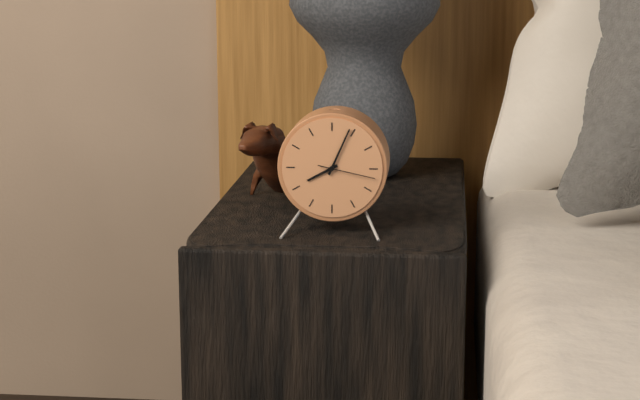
{"hour": 8, "minute": 4, "second": 17}
